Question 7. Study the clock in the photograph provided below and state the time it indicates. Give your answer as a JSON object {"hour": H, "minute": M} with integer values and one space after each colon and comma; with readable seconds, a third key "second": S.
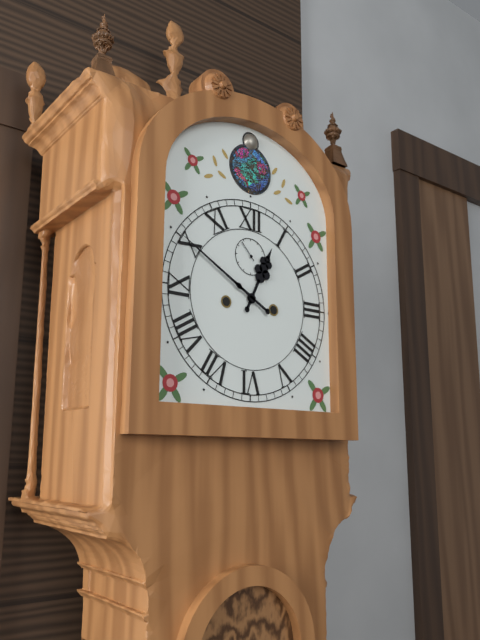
{"hour": 12, "minute": 50}
